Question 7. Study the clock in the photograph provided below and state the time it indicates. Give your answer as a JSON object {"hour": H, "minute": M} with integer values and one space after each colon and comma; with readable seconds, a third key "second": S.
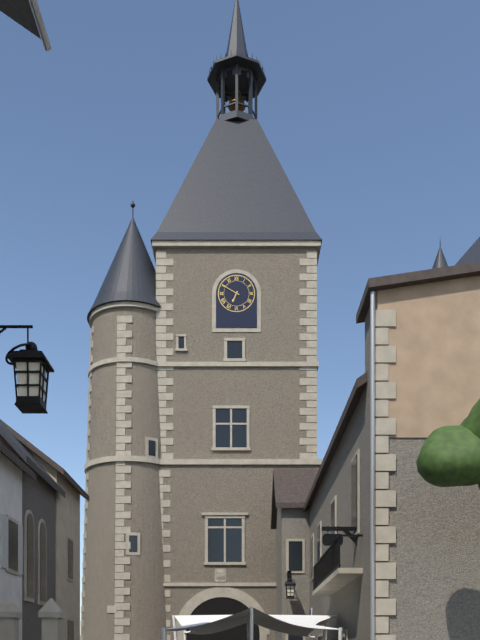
{"hour": 6, "minute": 50}
